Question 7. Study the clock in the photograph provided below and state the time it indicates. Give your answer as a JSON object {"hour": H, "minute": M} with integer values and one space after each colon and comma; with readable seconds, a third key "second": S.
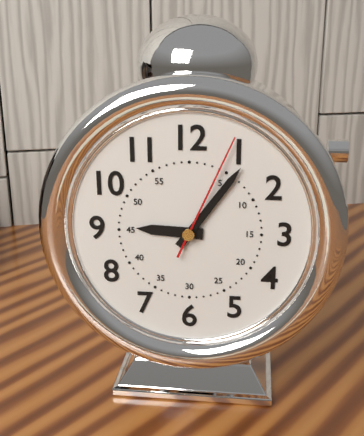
{"hour": 9, "minute": 6, "second": 4}
